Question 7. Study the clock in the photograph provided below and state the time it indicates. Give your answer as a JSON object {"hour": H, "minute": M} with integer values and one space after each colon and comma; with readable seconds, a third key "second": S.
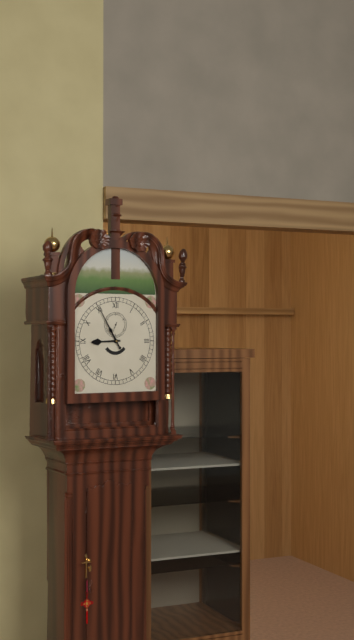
{"hour": 8, "minute": 55}
